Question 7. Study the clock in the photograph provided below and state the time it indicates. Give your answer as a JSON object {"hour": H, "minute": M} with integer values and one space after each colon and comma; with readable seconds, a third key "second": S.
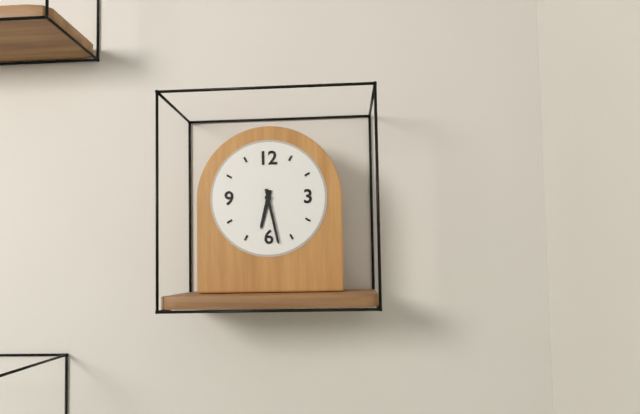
{"hour": 6, "minute": 28}
